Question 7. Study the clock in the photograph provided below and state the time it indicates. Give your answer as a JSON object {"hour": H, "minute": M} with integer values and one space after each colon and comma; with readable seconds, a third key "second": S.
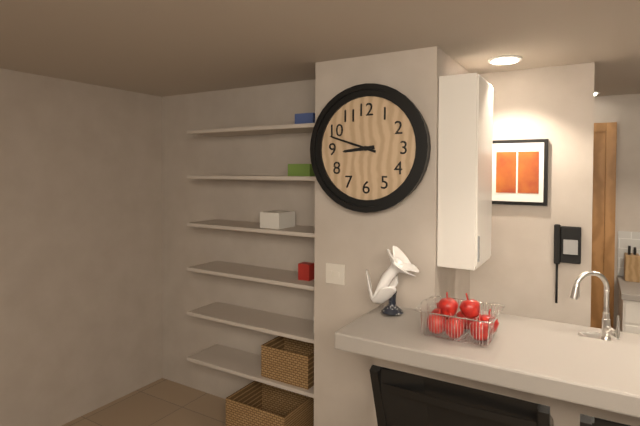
{"hour": 8, "minute": 48}
